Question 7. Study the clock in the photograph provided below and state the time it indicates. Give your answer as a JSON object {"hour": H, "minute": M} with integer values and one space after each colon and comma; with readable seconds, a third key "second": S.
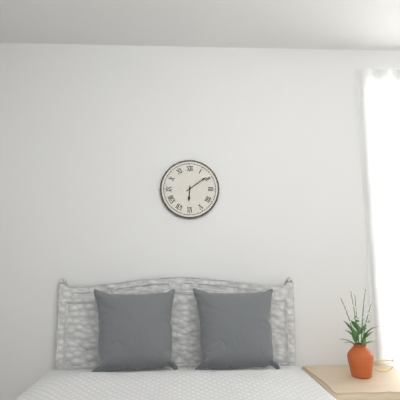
{"hour": 6, "minute": 9}
